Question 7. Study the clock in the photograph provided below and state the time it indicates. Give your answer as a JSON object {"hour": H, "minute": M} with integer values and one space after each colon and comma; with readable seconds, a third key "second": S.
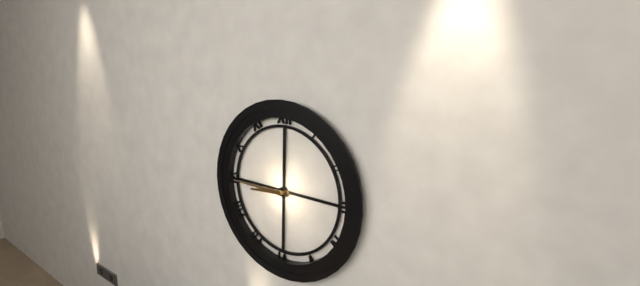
{"hour": 8, "minute": 45}
